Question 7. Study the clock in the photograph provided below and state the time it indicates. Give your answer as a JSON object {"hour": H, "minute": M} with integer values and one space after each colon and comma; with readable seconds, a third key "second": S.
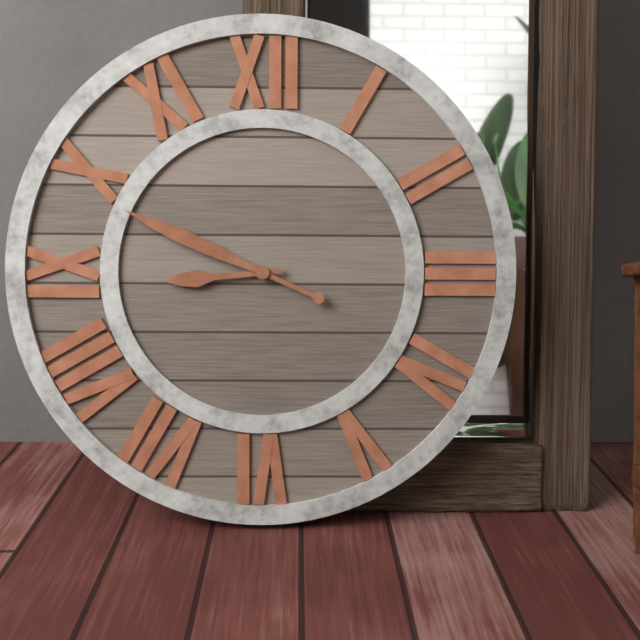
{"hour": 8, "minute": 49}
